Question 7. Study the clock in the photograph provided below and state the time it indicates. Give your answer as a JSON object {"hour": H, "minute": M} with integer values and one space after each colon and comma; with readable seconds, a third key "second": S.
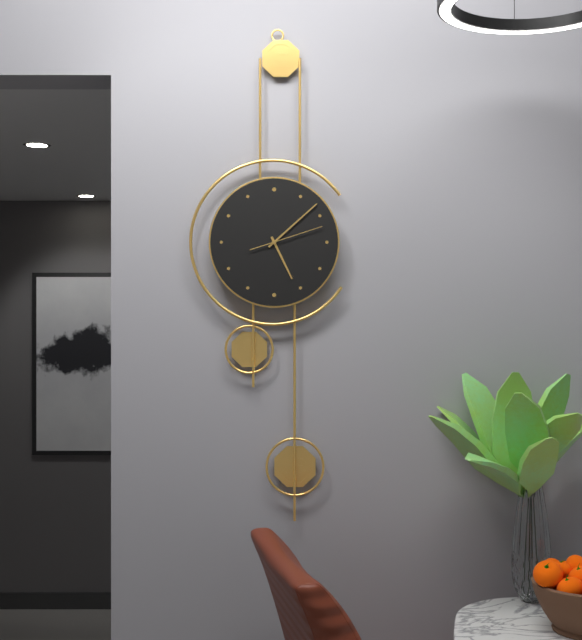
{"hour": 5, "minute": 8, "second": 12}
